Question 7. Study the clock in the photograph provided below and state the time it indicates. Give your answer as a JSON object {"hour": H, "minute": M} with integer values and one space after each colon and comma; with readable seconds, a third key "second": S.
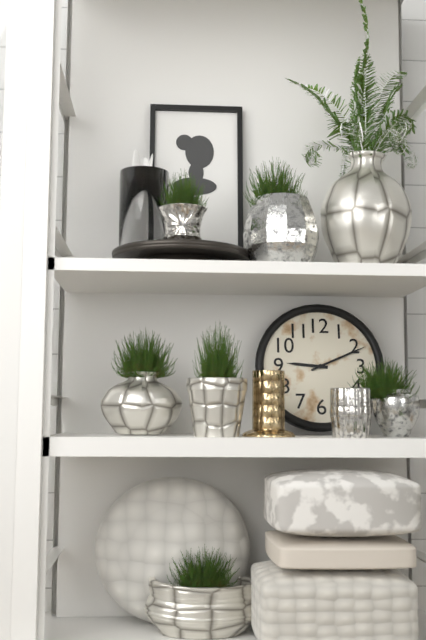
{"hour": 9, "minute": 11}
